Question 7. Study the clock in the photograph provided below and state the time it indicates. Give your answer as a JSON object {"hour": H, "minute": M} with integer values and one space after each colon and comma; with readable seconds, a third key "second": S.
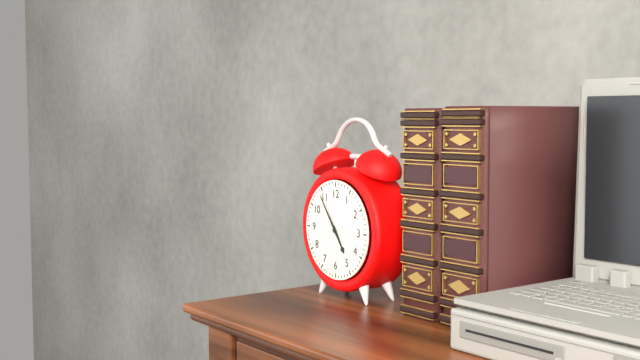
{"hour": 4, "minute": 54}
